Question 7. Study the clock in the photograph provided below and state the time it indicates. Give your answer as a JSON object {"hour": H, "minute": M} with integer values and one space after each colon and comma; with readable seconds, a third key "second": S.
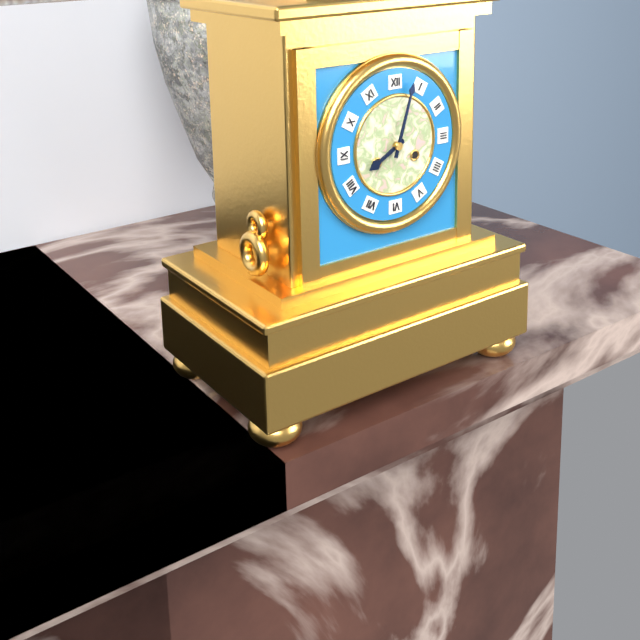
{"hour": 8, "minute": 3}
